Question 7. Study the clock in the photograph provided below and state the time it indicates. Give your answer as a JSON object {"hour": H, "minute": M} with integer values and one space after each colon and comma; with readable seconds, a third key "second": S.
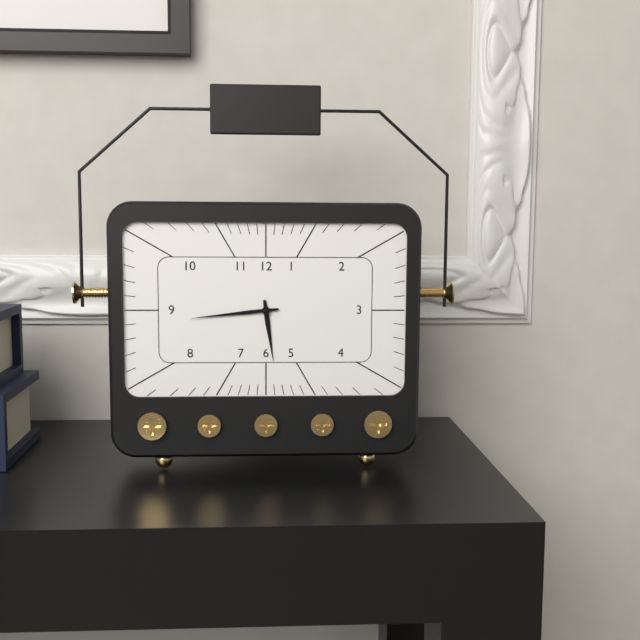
{"hour": 5, "minute": 44}
